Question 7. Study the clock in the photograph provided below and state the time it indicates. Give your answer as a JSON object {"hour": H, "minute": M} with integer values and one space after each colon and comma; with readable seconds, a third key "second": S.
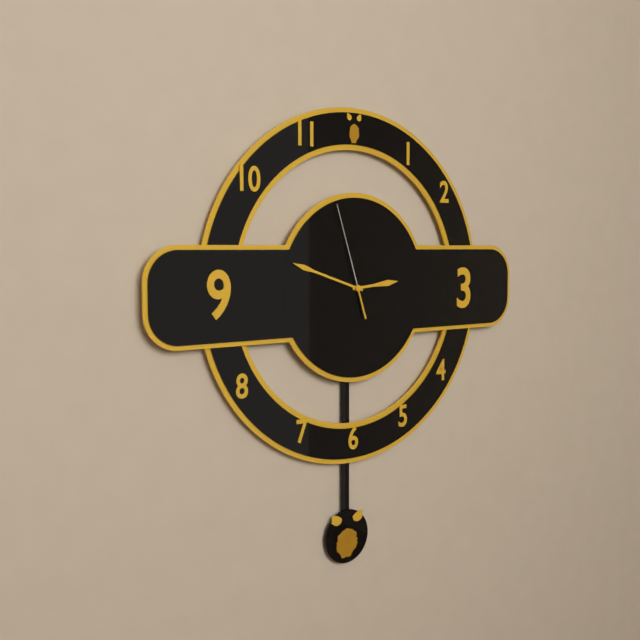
{"hour": 2, "minute": 48, "second": 57}
